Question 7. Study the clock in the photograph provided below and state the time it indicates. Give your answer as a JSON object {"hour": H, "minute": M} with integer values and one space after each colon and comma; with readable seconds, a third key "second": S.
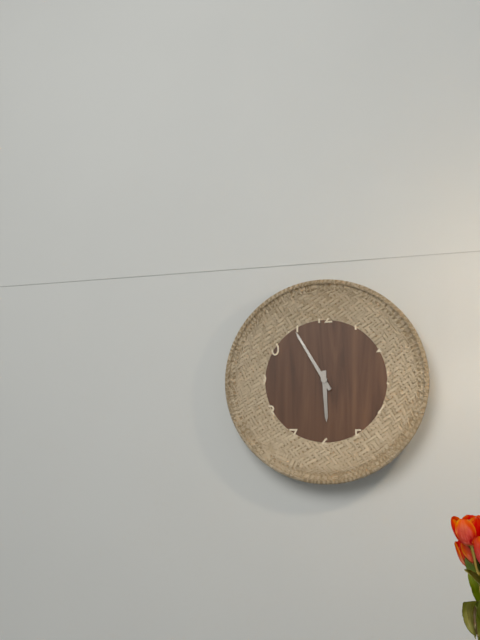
{"hour": 5, "minute": 55}
